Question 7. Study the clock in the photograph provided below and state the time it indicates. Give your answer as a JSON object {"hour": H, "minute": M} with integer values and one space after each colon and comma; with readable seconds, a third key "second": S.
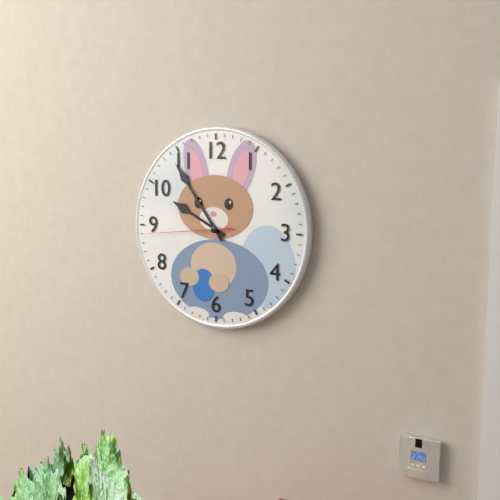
{"hour": 9, "minute": 54, "second": 44}
